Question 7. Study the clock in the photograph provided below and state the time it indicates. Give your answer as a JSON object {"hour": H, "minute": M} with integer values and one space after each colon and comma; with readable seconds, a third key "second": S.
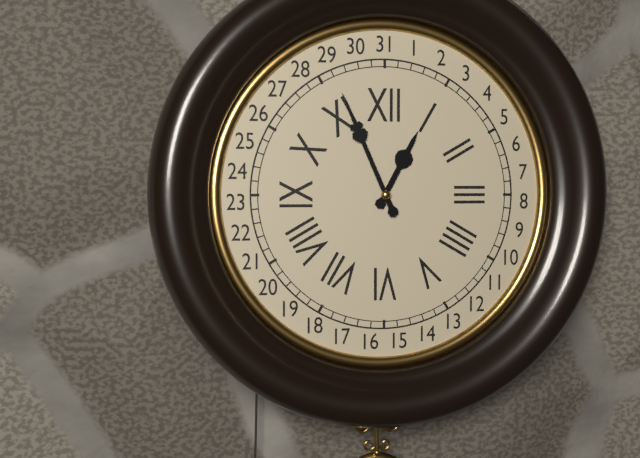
{"hour": 12, "minute": 56}
